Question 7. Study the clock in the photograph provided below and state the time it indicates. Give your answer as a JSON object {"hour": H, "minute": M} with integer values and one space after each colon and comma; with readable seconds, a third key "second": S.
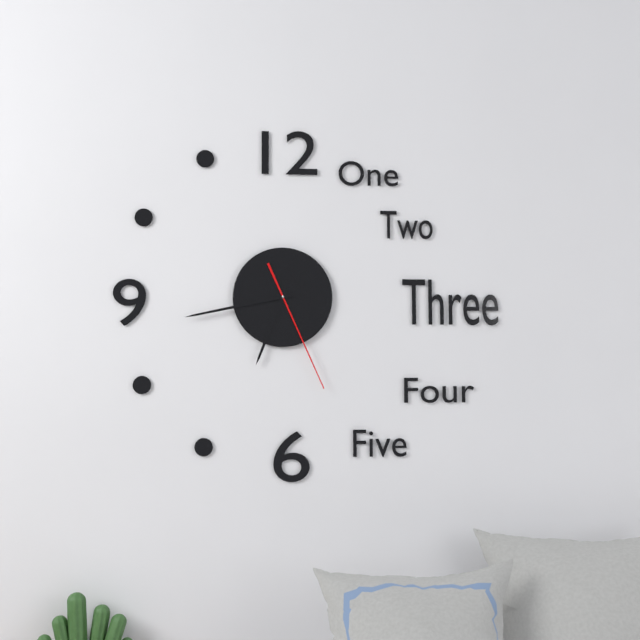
{"hour": 6, "minute": 43, "second": 26}
